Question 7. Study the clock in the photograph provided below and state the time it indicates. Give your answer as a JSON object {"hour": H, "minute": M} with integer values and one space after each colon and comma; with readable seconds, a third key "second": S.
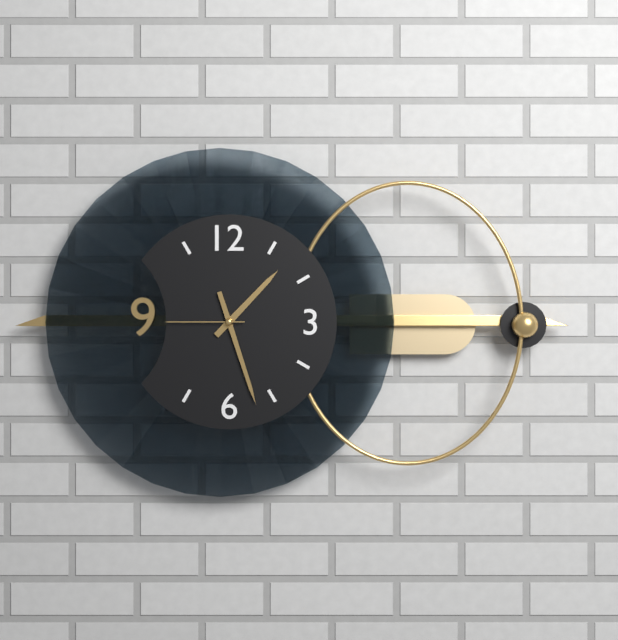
{"hour": 1, "minute": 27, "second": 45}
